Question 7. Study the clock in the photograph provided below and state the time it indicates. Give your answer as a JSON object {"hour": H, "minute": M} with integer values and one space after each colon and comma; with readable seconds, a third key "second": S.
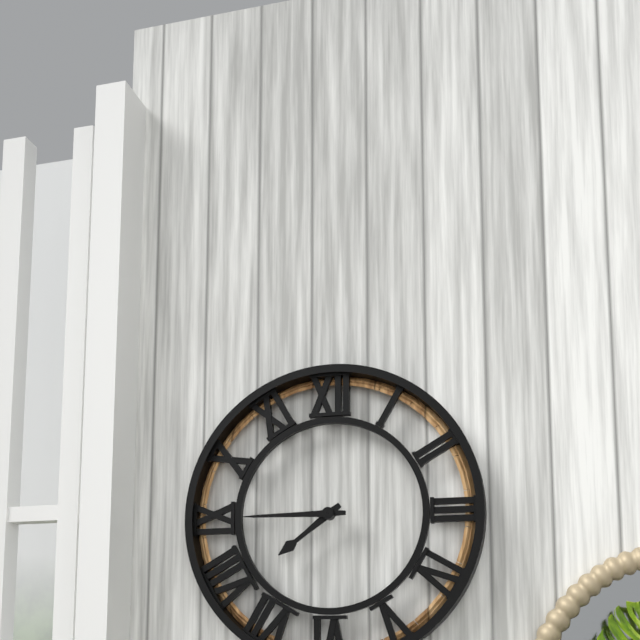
{"hour": 7, "minute": 45}
